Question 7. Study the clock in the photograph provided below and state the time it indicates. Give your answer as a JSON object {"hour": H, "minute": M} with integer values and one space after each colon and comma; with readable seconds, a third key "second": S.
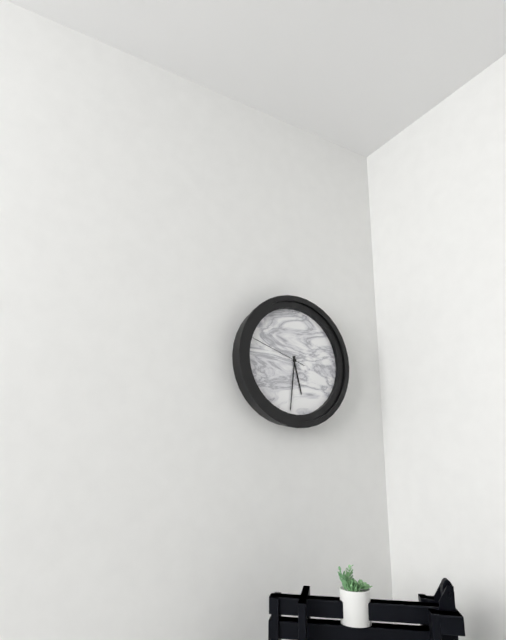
{"hour": 5, "minute": 31, "second": 48}
